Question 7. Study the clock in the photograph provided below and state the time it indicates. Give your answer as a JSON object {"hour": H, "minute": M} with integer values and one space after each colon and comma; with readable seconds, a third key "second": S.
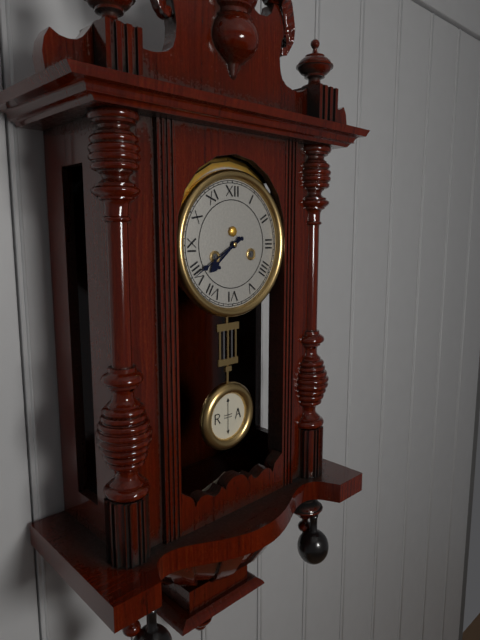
{"hour": 7, "minute": 40}
